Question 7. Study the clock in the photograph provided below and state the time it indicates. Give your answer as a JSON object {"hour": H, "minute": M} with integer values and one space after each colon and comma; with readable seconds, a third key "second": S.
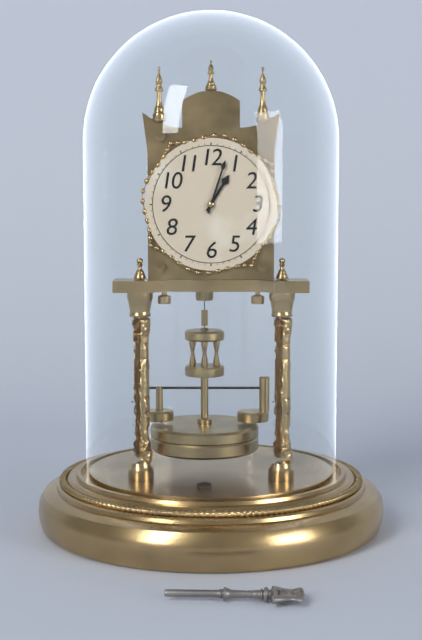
{"hour": 1, "minute": 3}
